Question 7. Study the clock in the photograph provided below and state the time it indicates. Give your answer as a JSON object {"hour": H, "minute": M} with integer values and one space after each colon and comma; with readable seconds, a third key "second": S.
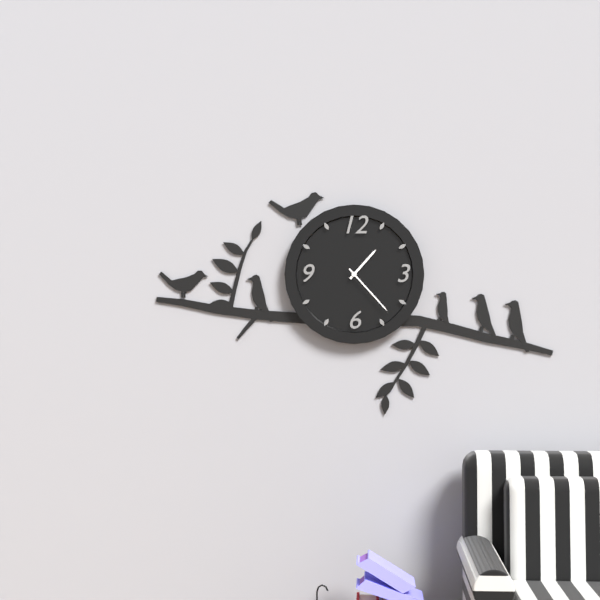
{"hour": 1, "minute": 23}
